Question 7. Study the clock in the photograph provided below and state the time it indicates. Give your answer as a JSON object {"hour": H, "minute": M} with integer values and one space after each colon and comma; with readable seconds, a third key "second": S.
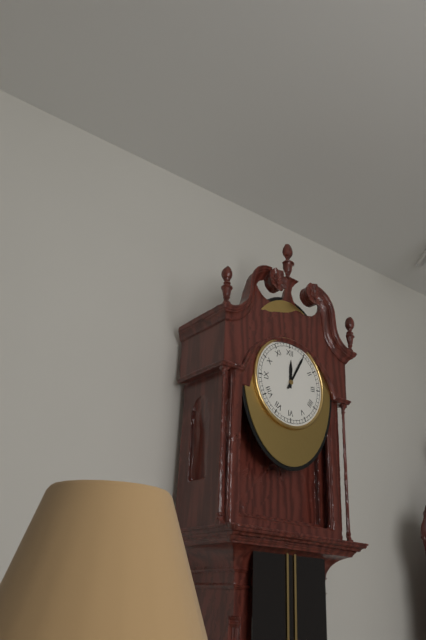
{"hour": 12, "minute": 5}
